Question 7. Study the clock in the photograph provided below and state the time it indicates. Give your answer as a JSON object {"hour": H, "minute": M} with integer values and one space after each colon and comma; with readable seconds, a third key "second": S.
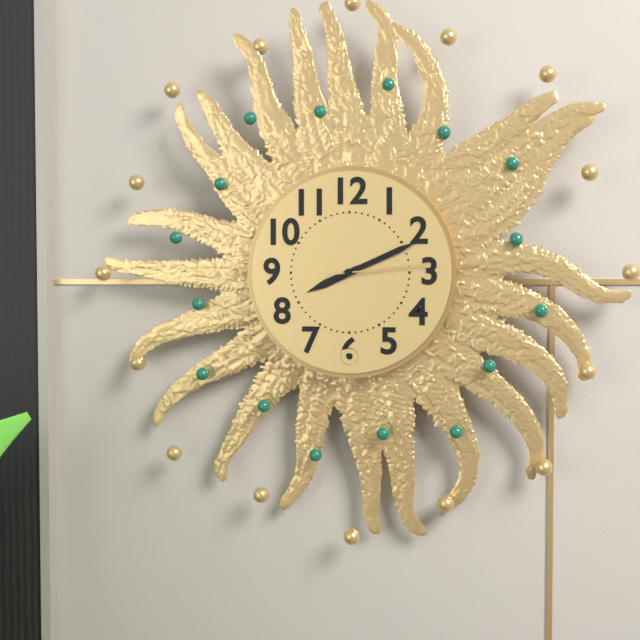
{"hour": 8, "minute": 11, "second": 14}
